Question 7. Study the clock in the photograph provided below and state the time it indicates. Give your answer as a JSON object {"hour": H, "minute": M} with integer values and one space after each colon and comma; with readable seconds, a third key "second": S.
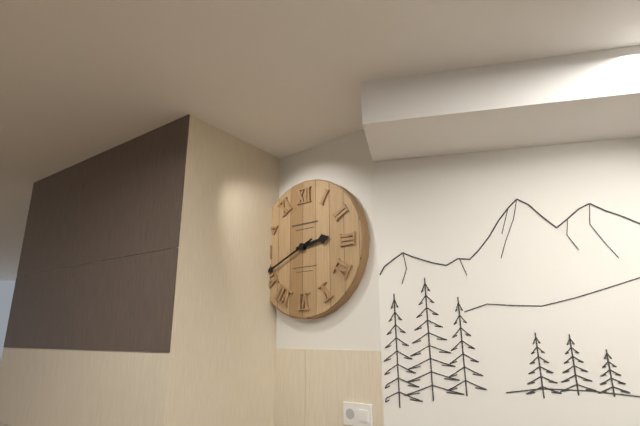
{"hour": 2, "minute": 41}
